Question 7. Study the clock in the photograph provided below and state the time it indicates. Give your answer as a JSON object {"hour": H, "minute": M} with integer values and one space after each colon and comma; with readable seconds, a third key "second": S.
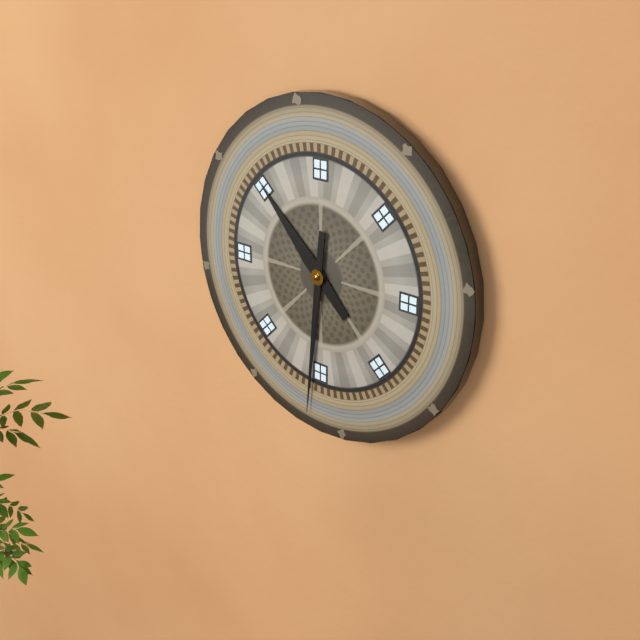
{"hour": 10, "minute": 31}
